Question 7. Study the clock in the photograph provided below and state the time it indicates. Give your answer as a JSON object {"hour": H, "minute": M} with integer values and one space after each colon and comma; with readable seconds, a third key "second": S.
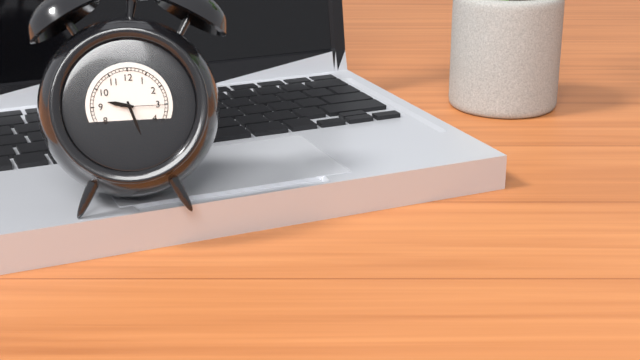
{"hour": 9, "minute": 27}
